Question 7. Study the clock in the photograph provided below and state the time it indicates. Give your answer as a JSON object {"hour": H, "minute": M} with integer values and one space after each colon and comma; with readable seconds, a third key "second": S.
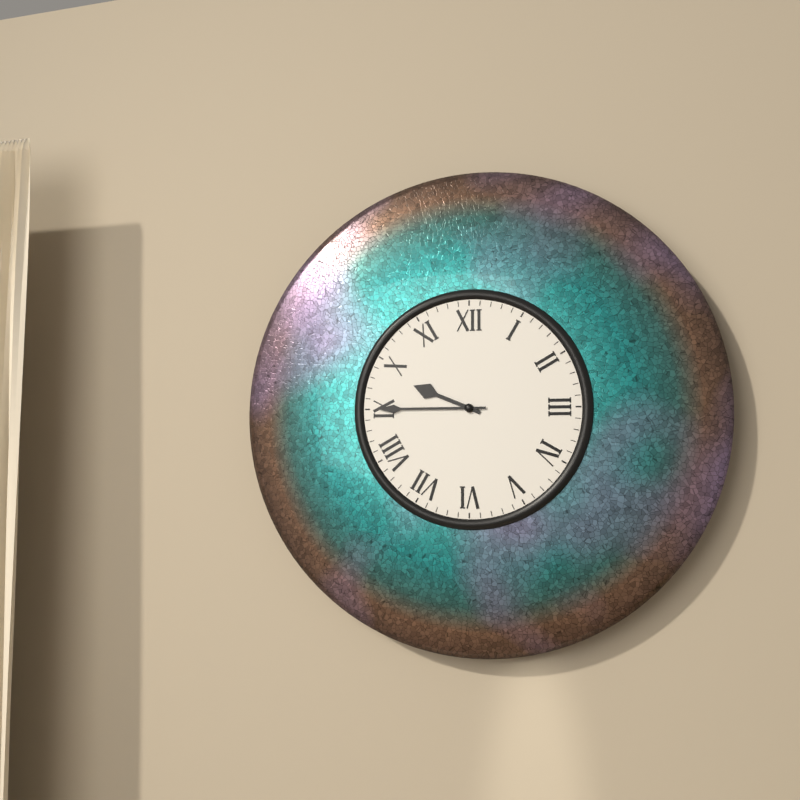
{"hour": 9, "minute": 45}
